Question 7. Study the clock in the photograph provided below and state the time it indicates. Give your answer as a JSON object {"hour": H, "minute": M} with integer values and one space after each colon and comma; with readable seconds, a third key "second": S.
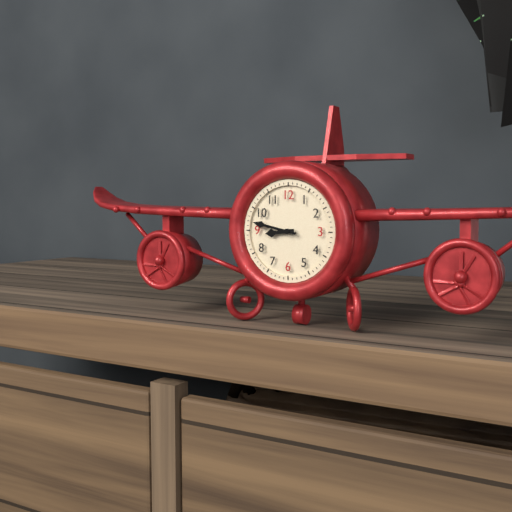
{"hour": 8, "minute": 47}
